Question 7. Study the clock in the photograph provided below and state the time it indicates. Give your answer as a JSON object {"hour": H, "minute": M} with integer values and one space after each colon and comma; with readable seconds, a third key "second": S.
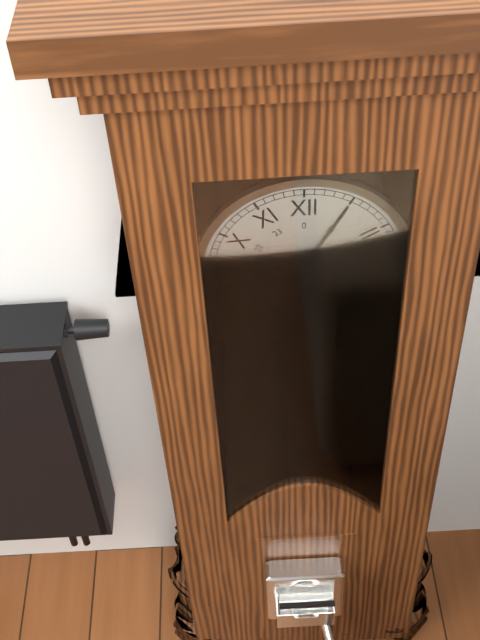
{"hour": 8, "minute": 5}
